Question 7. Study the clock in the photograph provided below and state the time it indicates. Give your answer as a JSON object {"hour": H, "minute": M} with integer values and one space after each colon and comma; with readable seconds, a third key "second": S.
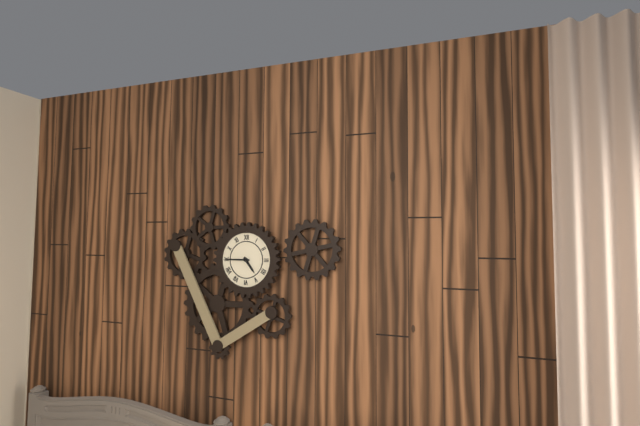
{"hour": 4, "minute": 45}
